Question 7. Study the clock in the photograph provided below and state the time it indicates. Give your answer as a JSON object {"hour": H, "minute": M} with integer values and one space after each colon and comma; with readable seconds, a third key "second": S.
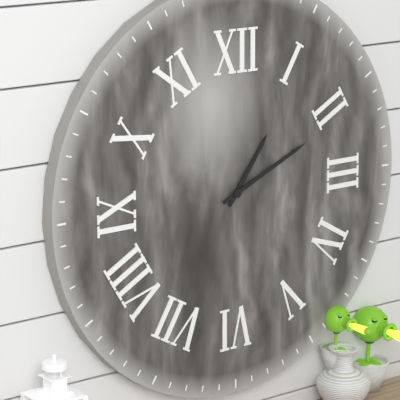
{"hour": 1, "minute": 11}
